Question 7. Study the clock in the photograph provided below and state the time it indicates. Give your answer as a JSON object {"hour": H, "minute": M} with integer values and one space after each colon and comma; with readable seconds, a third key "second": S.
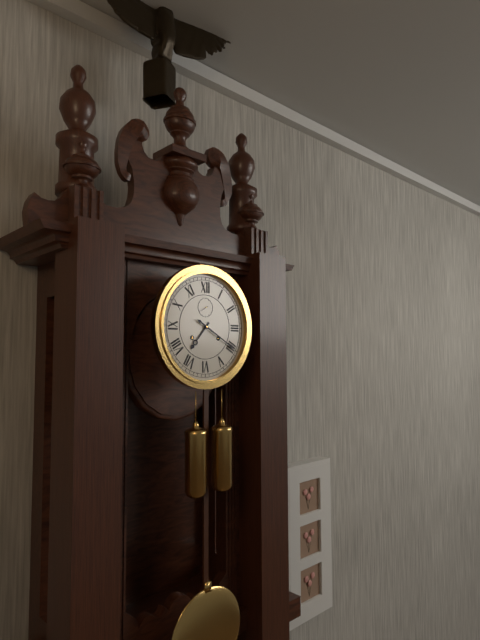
{"hour": 7, "minute": 20}
